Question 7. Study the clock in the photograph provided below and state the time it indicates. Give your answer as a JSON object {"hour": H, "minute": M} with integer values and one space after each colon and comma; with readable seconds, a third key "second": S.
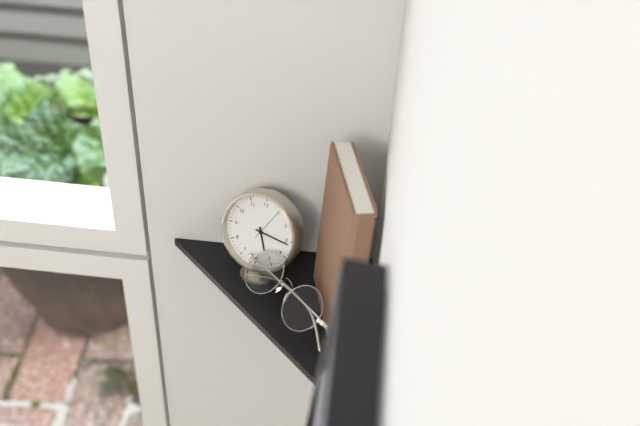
{"hour": 5, "minute": 16}
